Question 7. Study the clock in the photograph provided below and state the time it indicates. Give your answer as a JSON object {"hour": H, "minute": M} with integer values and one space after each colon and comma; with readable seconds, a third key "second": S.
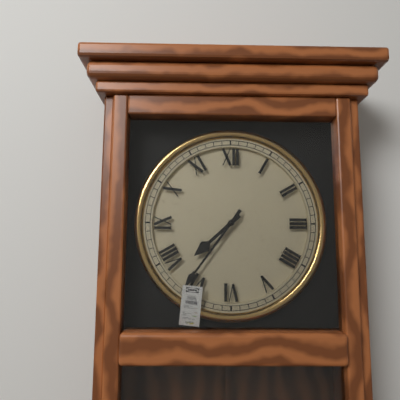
{"hour": 7, "minute": 36}
